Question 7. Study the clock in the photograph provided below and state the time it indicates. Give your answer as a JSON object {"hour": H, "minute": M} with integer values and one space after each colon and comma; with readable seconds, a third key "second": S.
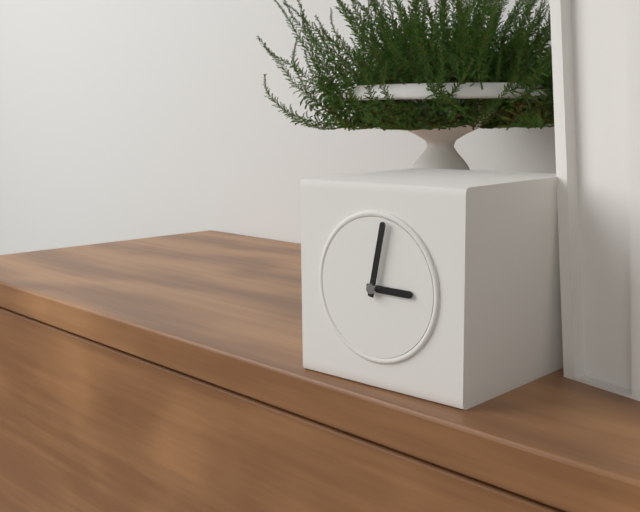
{"hour": 3, "minute": 2}
